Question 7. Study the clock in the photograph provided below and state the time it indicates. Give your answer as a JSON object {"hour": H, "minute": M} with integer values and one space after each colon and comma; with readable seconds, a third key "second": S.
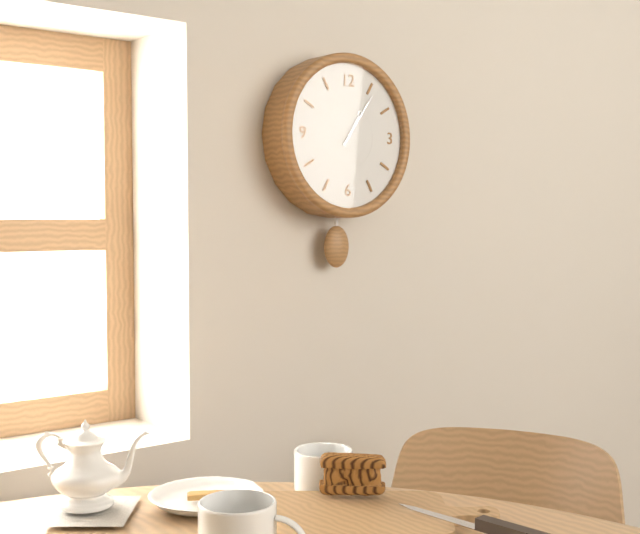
{"hour": 1, "minute": 6}
